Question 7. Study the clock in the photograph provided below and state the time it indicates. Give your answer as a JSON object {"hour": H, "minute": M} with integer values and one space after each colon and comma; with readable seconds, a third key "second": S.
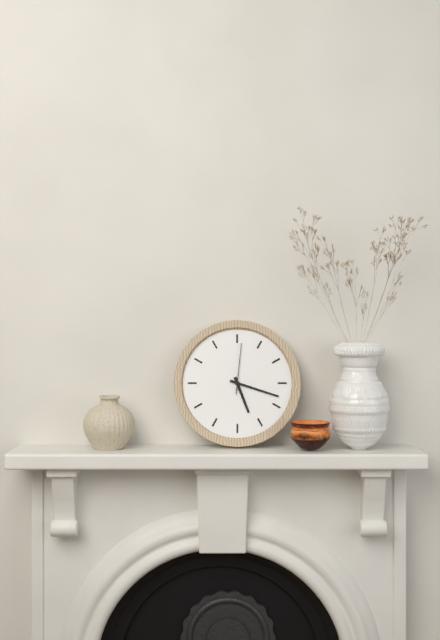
{"hour": 5, "minute": 18, "second": 1}
